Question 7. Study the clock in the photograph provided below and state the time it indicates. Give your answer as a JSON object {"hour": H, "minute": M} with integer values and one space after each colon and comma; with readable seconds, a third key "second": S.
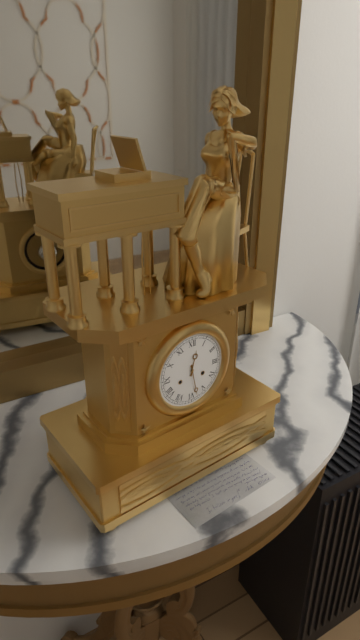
{"hour": 12, "minute": 28}
